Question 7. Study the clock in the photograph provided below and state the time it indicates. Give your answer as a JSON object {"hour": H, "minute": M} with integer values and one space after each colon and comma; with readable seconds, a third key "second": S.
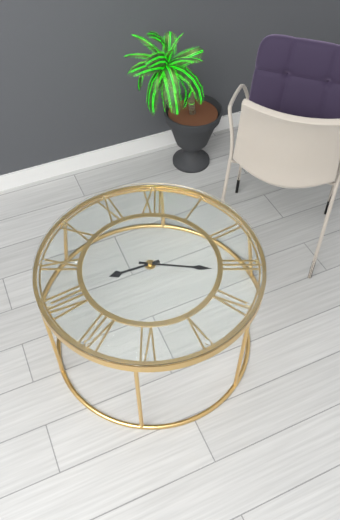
{"hour": 8, "minute": 16}
